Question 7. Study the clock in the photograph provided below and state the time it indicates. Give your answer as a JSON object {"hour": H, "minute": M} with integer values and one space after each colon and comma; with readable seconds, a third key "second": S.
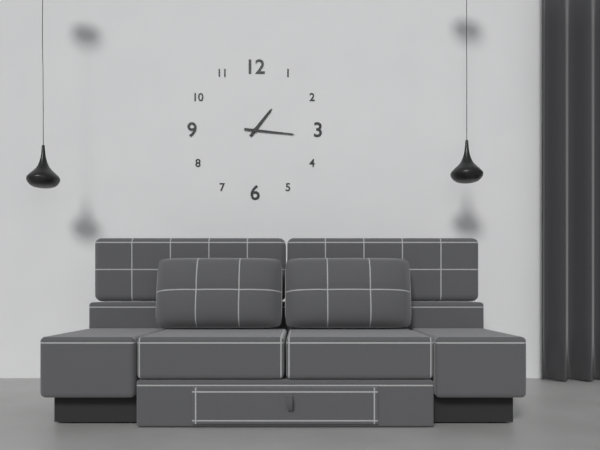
{"hour": 1, "minute": 16}
